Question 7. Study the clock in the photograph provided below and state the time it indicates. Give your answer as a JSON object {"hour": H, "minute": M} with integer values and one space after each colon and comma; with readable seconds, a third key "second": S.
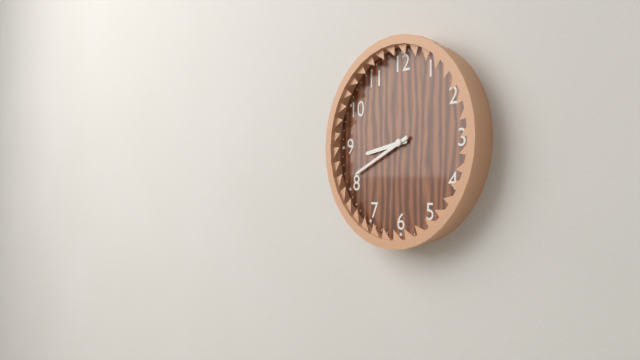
{"hour": 8, "minute": 41}
